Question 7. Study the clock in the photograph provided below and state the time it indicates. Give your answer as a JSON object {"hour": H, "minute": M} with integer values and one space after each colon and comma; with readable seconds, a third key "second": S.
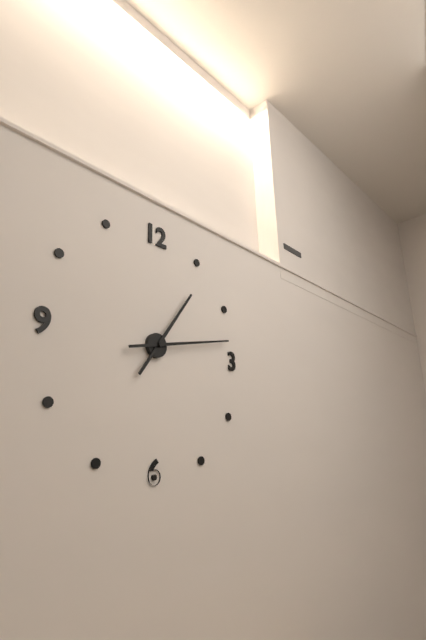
{"hour": 1, "minute": 13}
